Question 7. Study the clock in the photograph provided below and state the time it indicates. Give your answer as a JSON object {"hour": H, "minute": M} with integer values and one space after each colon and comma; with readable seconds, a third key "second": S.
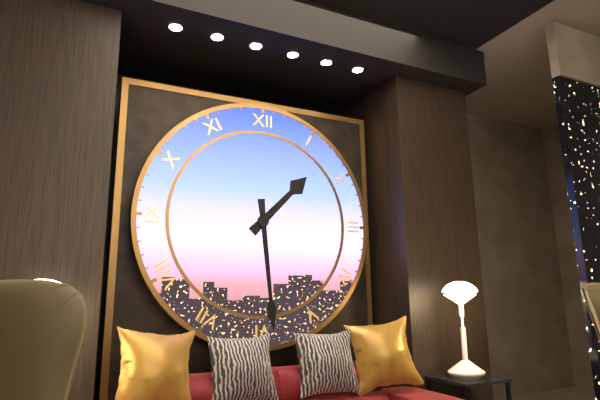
{"hour": 1, "minute": 29}
